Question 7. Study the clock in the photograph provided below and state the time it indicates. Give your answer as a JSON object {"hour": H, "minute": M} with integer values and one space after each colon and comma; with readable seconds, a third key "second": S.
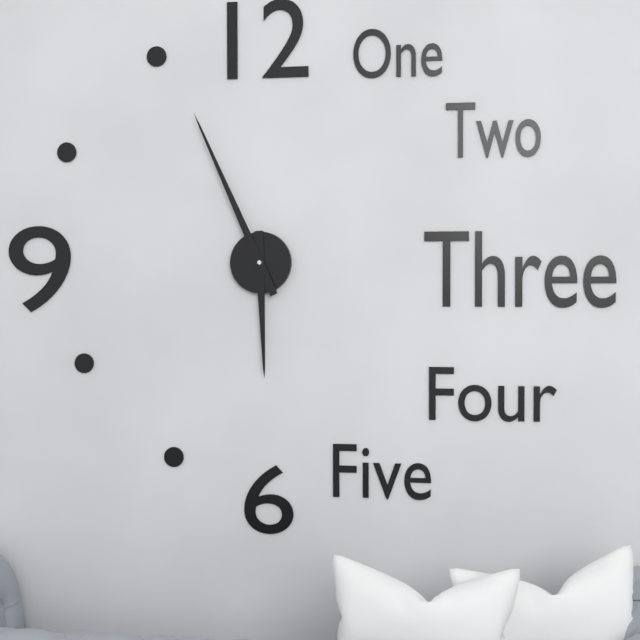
{"hour": 5, "minute": 56}
